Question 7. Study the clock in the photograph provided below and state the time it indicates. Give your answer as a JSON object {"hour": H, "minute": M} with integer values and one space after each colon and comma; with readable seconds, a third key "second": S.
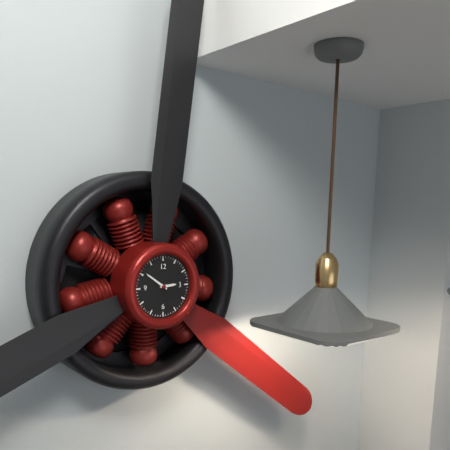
{"hour": 2, "minute": 51}
